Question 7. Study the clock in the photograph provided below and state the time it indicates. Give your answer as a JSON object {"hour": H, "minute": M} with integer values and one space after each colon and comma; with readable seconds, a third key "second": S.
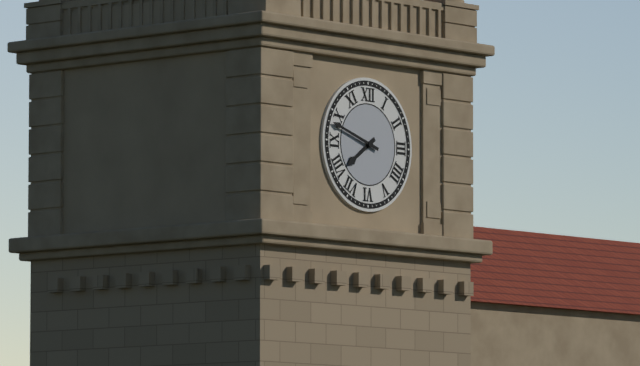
{"hour": 7, "minute": 48}
